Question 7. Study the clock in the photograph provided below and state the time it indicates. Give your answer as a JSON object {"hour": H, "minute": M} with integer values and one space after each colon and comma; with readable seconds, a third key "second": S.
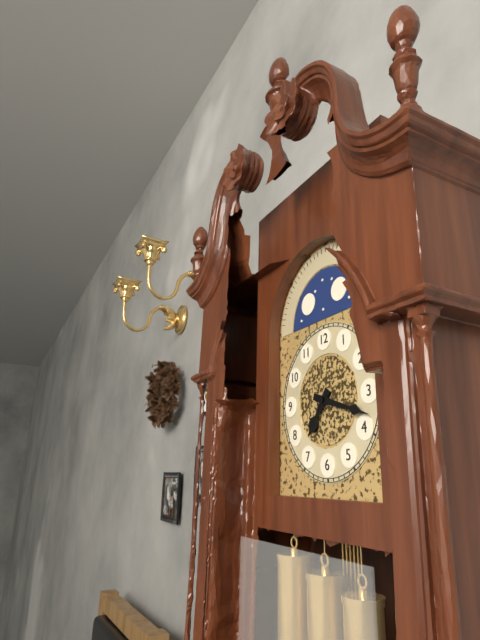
{"hour": 7, "minute": 18}
